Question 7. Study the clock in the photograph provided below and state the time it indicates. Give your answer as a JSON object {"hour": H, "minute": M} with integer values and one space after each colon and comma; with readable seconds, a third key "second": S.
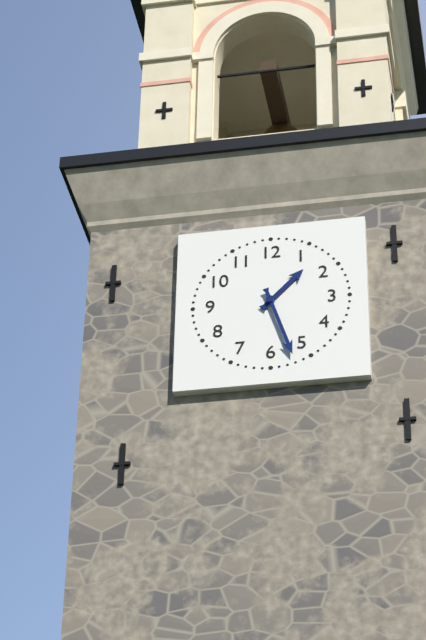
{"hour": 1, "minute": 27}
